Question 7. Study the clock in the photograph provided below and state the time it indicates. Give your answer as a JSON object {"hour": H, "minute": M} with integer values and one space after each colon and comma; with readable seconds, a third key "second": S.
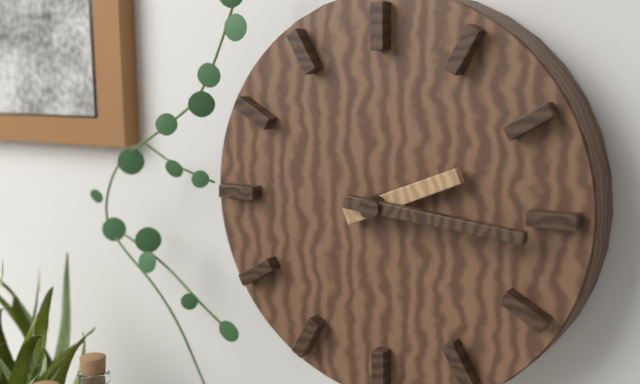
{"hour": 2, "minute": 16}
